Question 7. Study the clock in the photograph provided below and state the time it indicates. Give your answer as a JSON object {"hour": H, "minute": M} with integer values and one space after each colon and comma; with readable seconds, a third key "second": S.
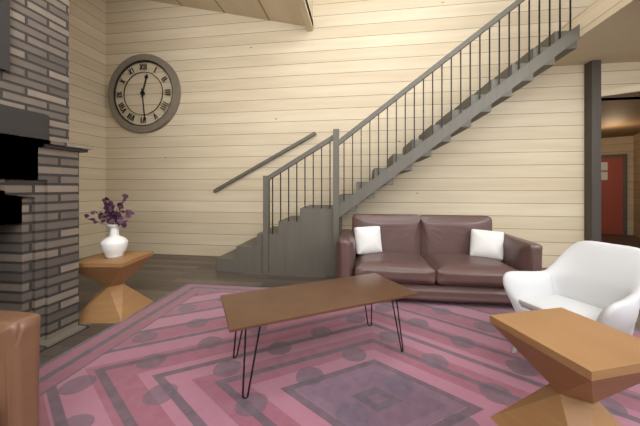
{"hour": 12, "minute": 29}
